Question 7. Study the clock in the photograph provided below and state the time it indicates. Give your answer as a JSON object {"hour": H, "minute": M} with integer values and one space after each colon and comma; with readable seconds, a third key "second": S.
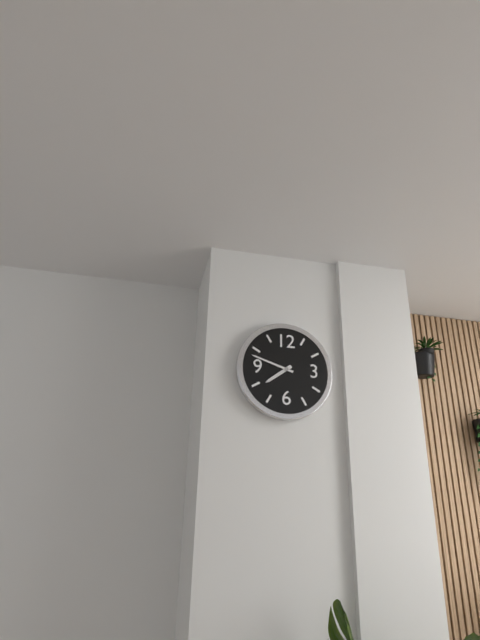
{"hour": 7, "minute": 48}
